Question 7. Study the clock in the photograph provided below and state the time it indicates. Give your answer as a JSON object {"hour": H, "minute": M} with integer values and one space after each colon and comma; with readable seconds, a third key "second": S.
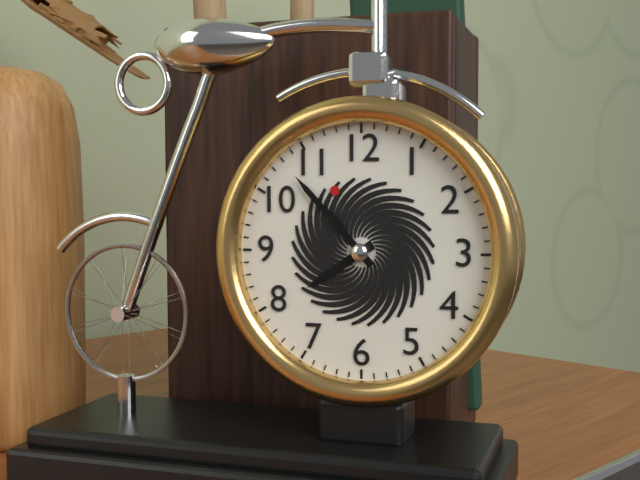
{"hour": 7, "minute": 53}
